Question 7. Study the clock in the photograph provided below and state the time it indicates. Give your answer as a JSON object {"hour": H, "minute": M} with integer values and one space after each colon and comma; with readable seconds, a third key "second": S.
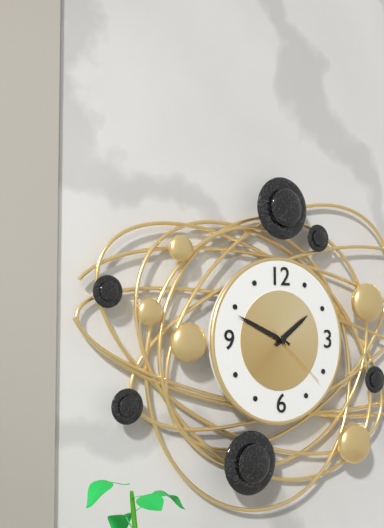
{"hour": 1, "minute": 49, "second": 22}
